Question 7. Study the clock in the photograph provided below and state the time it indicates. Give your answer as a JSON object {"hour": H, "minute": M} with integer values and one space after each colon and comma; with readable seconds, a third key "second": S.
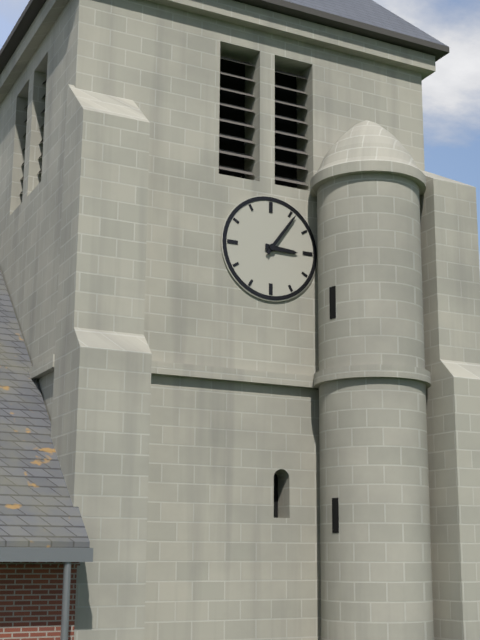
{"hour": 3, "minute": 6}
